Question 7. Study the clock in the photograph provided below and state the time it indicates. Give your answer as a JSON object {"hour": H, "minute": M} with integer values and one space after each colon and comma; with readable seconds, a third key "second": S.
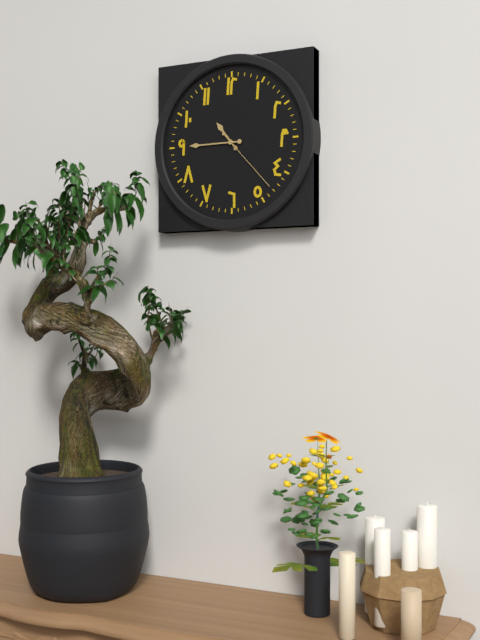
{"hour": 10, "minute": 45, "second": 23}
